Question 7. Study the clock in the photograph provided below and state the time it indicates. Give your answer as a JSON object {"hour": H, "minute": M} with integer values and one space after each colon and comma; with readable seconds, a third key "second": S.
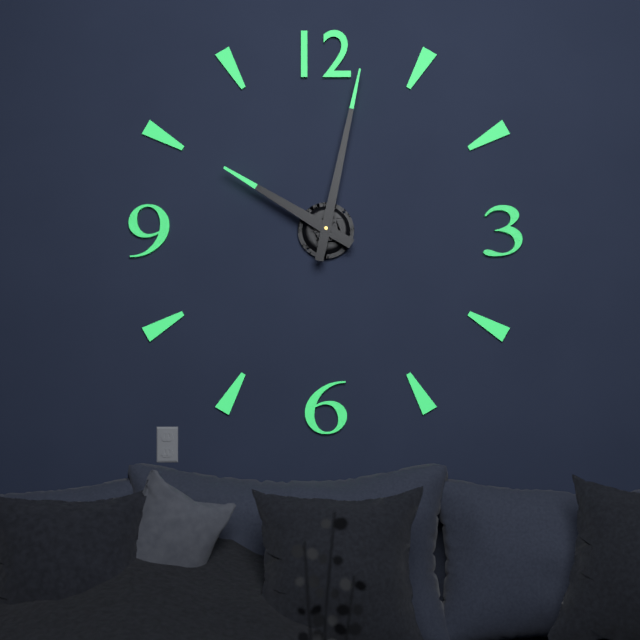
{"hour": 10, "minute": 2}
